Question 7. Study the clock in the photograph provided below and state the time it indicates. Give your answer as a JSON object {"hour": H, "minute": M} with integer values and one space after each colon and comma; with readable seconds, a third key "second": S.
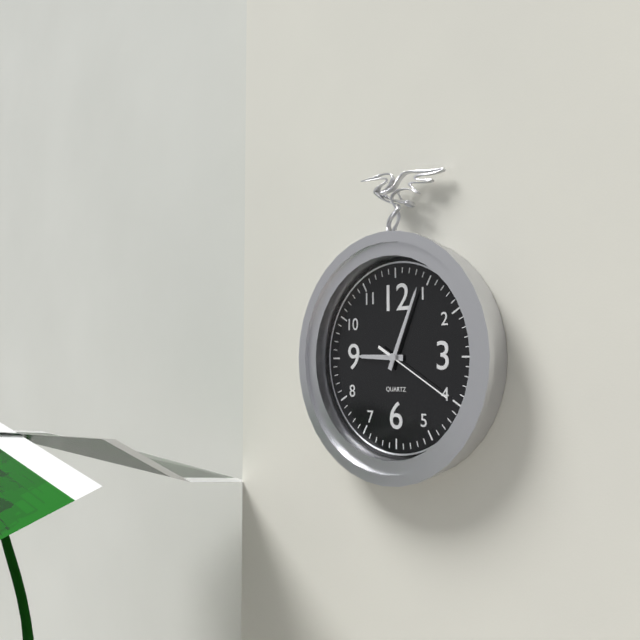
{"hour": 9, "minute": 4, "second": 20}
